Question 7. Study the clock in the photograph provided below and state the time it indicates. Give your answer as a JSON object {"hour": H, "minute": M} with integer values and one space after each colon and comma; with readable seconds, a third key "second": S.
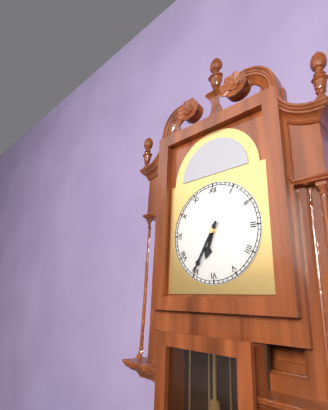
{"hour": 6, "minute": 35}
